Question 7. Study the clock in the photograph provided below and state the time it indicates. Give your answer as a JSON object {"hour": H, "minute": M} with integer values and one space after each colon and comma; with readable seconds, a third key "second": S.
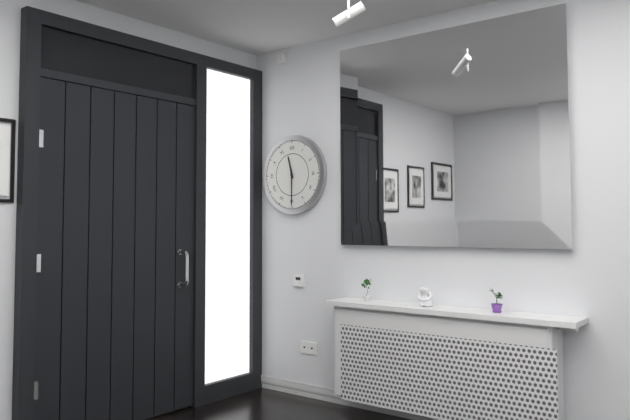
{"hour": 11, "minute": 30}
